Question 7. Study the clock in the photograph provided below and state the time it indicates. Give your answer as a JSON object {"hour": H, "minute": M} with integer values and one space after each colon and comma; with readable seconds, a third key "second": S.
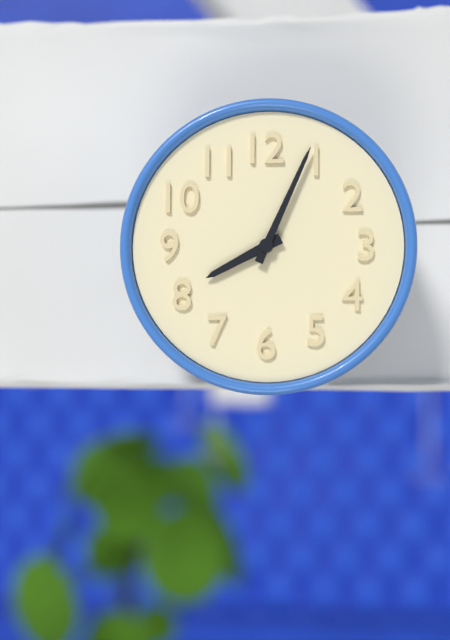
{"hour": 8, "minute": 4}
